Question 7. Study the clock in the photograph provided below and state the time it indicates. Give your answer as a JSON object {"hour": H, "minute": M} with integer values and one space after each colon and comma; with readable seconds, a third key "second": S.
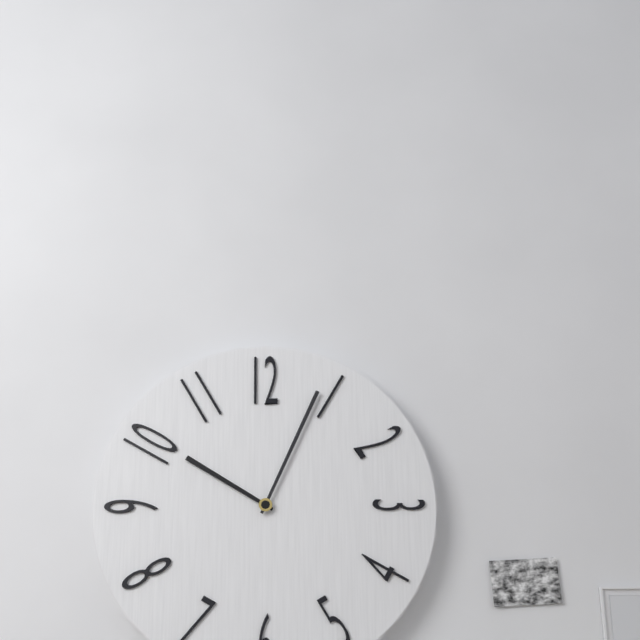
{"hour": 10, "minute": 4}
